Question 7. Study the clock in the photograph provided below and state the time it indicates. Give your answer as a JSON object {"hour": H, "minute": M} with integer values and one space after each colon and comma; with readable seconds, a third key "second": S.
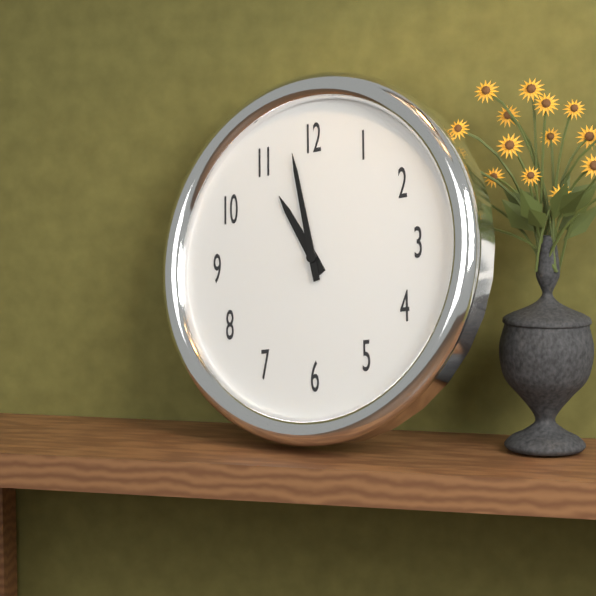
{"hour": 10, "minute": 58}
